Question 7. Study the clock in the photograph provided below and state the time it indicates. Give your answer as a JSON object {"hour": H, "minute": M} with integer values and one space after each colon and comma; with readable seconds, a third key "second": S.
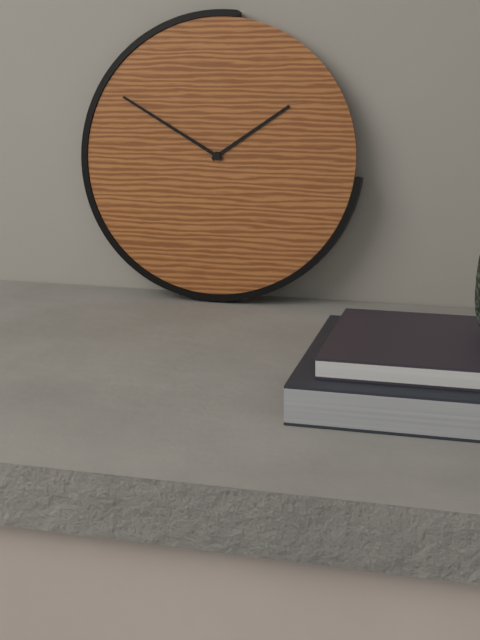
{"hour": 1, "minute": 50}
